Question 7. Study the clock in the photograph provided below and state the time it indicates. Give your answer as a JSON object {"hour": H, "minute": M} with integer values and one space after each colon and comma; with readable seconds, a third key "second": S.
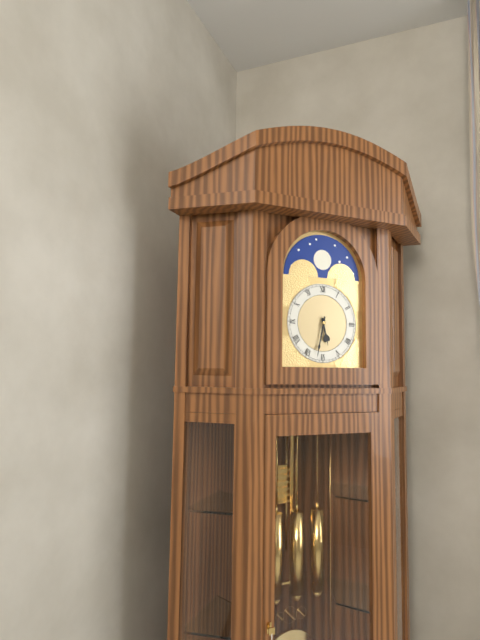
{"hour": 5, "minute": 32}
